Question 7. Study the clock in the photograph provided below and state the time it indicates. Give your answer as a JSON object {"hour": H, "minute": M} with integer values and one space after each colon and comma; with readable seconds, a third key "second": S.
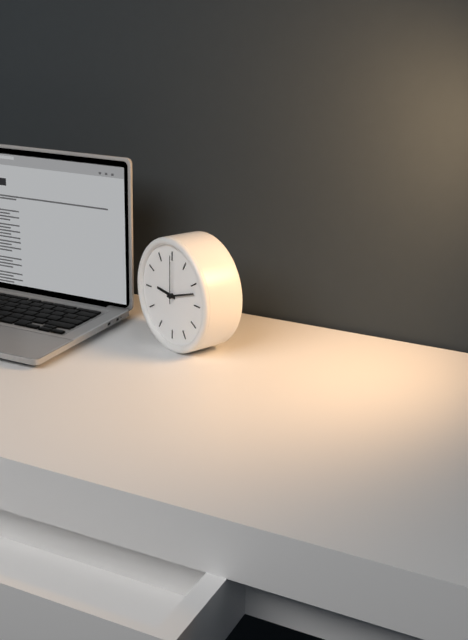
{"hour": 9, "minute": 12, "second": 0}
